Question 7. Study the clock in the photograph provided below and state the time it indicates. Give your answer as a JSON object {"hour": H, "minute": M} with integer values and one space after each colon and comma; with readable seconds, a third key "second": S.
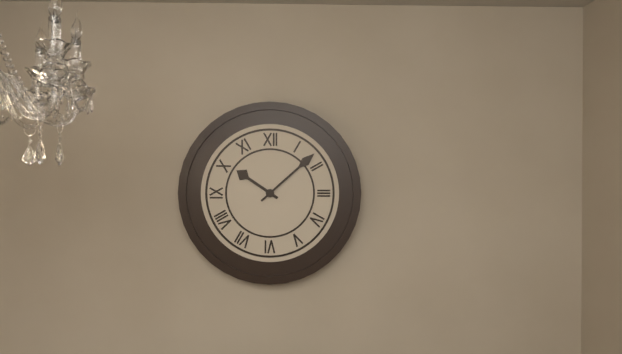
{"hour": 10, "minute": 8}
